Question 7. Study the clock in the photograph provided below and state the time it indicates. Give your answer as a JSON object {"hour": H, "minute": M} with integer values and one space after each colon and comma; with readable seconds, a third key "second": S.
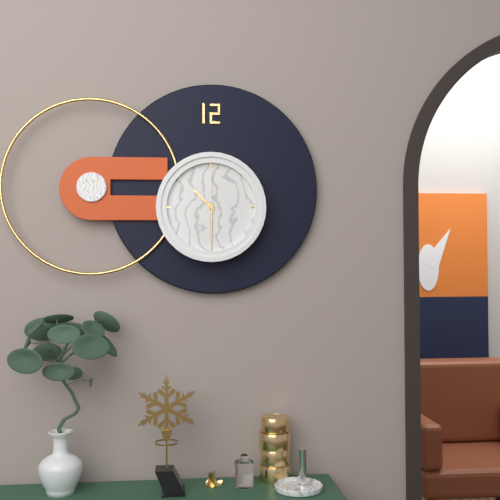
{"hour": 10, "minute": 30, "second": 0}
